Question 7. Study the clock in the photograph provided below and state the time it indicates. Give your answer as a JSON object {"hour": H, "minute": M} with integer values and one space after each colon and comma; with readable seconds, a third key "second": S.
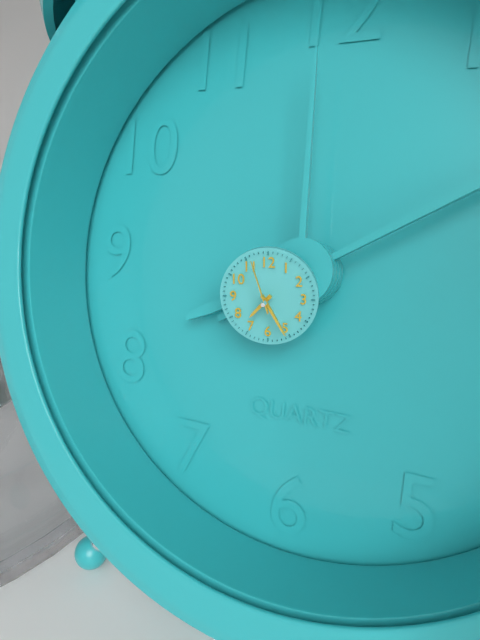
{"hour": 7, "minute": 25, "second": 57}
